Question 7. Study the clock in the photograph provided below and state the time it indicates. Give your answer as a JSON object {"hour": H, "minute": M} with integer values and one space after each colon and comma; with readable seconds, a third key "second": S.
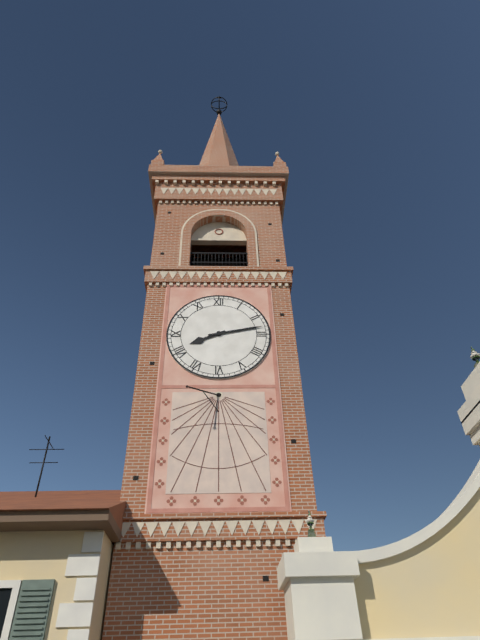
{"hour": 8, "minute": 13}
